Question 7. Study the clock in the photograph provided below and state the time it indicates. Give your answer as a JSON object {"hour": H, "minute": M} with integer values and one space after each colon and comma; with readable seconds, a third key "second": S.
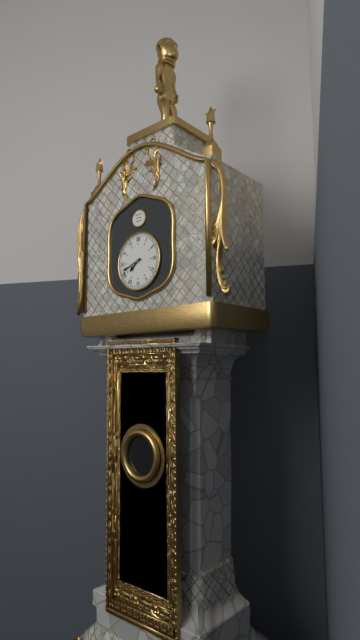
{"hour": 7, "minute": 42}
